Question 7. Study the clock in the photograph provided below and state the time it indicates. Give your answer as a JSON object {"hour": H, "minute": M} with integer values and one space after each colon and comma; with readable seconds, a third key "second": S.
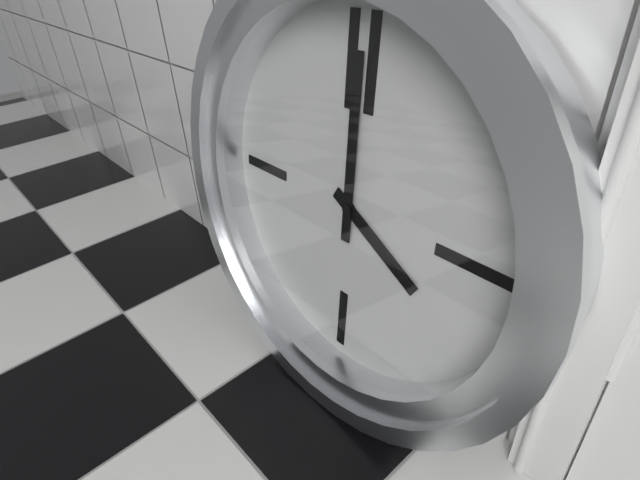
{"hour": 4, "minute": 0}
